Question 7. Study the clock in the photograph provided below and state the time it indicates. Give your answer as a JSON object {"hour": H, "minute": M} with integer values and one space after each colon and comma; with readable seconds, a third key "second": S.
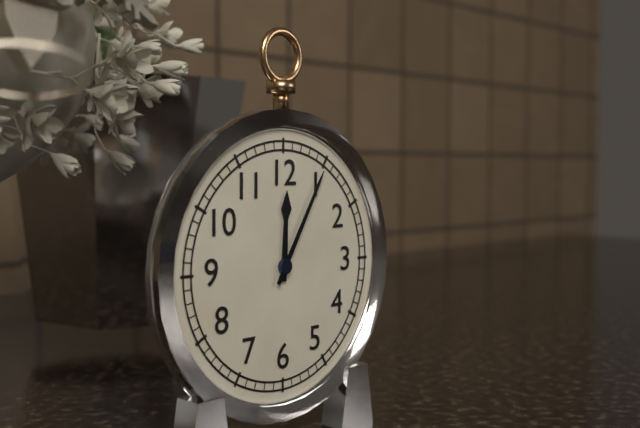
{"hour": 12, "minute": 5}
